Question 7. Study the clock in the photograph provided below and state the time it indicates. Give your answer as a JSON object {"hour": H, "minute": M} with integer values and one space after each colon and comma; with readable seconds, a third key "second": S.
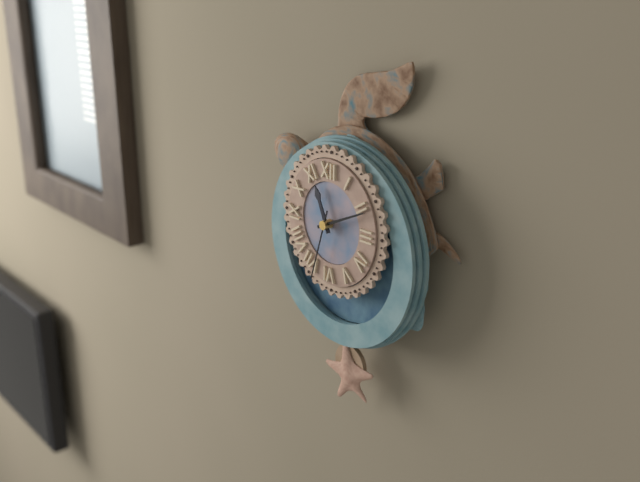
{"hour": 11, "minute": 11, "second": 33}
